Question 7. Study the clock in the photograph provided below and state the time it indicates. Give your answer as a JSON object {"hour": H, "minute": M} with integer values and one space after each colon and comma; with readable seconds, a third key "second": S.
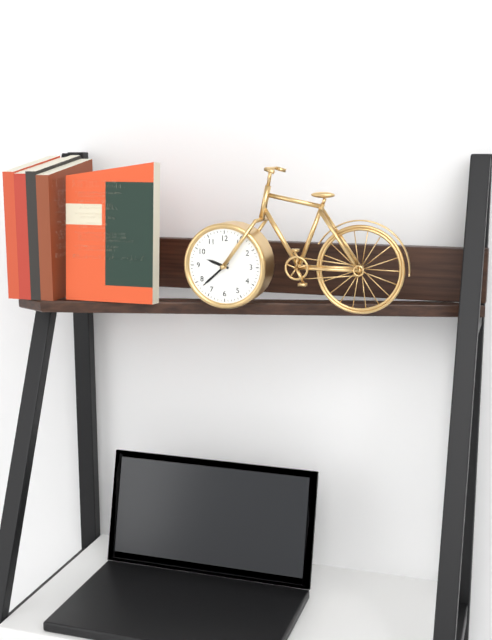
{"hour": 9, "minute": 38}
